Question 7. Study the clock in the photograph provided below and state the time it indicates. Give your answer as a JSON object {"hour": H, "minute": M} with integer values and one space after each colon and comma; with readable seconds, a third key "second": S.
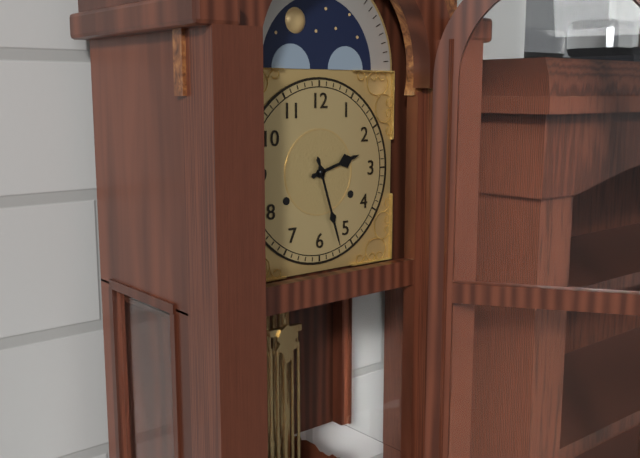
{"hour": 2, "minute": 27}
